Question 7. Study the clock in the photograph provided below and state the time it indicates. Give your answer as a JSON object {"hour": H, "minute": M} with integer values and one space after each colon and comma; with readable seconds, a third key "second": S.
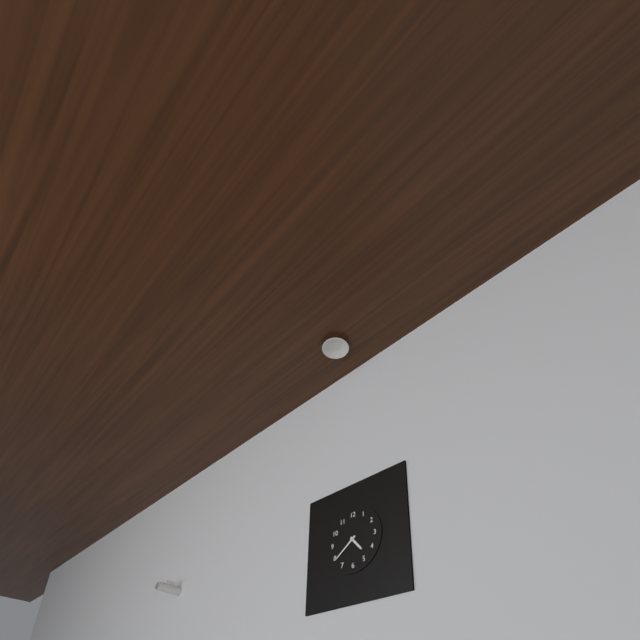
{"hour": 4, "minute": 39}
